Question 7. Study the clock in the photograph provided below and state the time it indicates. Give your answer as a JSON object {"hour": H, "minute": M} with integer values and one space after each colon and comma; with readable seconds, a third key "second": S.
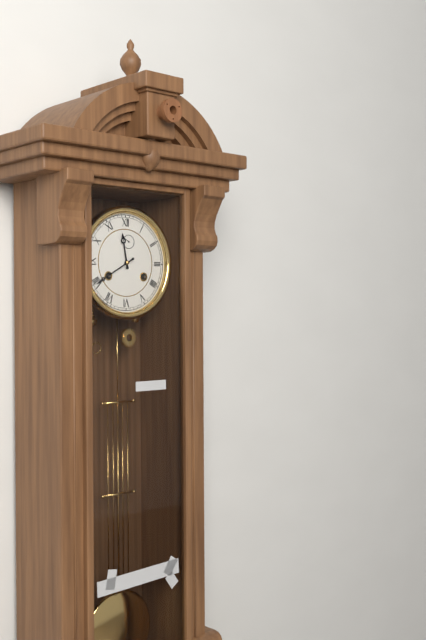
{"hour": 11, "minute": 40}
